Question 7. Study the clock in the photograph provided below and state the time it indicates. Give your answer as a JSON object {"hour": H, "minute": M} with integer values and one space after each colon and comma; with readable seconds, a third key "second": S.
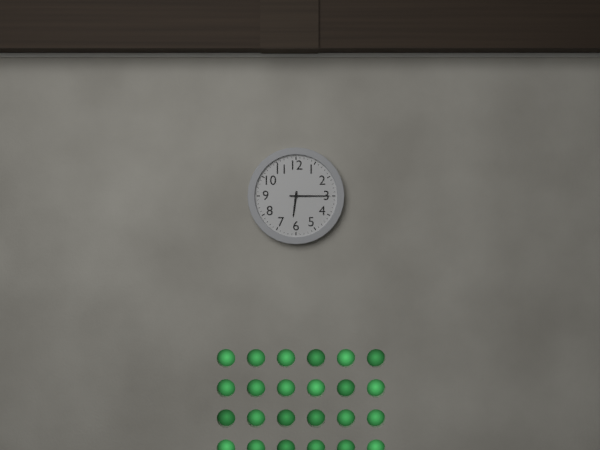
{"hour": 6, "minute": 15}
